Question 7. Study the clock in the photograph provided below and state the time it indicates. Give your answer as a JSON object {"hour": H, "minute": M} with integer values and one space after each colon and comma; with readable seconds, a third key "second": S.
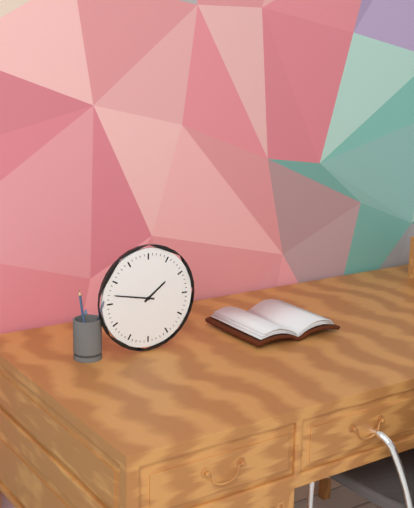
{"hour": 1, "minute": 47}
